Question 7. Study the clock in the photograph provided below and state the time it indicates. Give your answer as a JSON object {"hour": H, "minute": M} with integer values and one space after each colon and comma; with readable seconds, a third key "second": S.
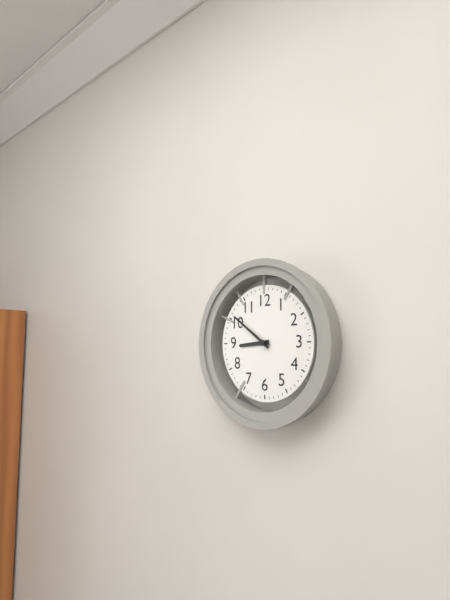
{"hour": 8, "minute": 51}
